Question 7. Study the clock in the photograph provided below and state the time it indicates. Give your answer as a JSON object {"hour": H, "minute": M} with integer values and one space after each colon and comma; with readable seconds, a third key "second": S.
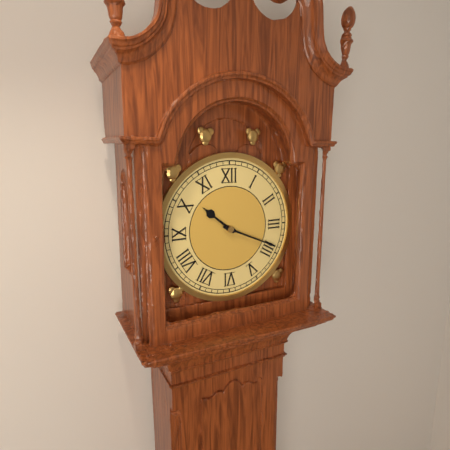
{"hour": 10, "minute": 19}
